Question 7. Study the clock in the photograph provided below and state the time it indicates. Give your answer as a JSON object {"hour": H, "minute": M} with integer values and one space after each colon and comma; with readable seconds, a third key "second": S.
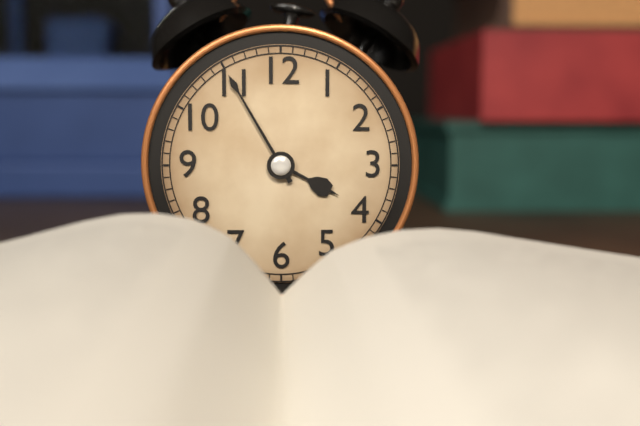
{"hour": 3, "minute": 55}
